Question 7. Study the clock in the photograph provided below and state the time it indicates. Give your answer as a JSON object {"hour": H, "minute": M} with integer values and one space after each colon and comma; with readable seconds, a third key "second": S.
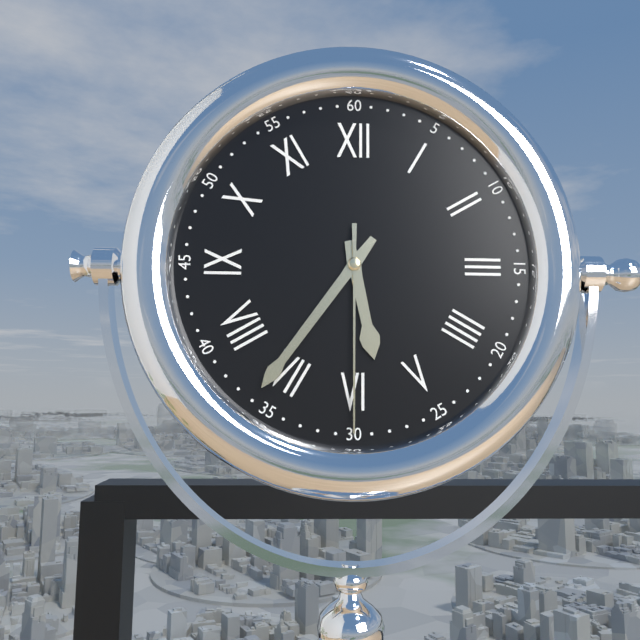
{"hour": 5, "minute": 36, "second": 30}
